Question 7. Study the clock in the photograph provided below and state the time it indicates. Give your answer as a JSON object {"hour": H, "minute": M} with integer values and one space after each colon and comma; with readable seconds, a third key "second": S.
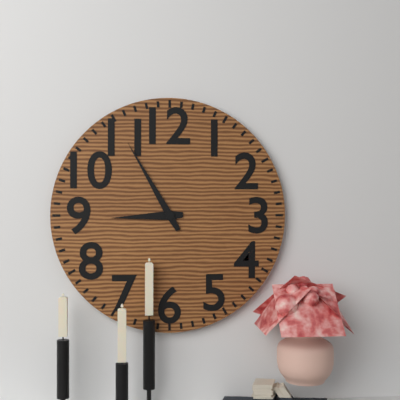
{"hour": 8, "minute": 55}
